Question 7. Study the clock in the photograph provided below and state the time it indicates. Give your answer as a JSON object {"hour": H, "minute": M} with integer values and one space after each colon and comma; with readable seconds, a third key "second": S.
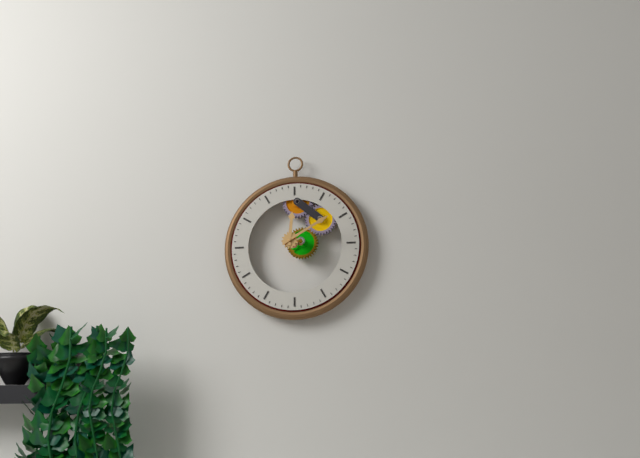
{"hour": 12, "minute": 10}
